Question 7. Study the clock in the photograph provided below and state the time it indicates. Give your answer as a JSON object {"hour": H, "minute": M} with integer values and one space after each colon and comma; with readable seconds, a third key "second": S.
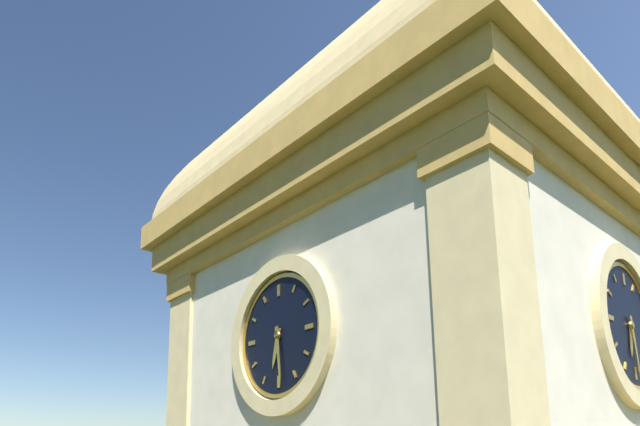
{"hour": 6, "minute": 29}
